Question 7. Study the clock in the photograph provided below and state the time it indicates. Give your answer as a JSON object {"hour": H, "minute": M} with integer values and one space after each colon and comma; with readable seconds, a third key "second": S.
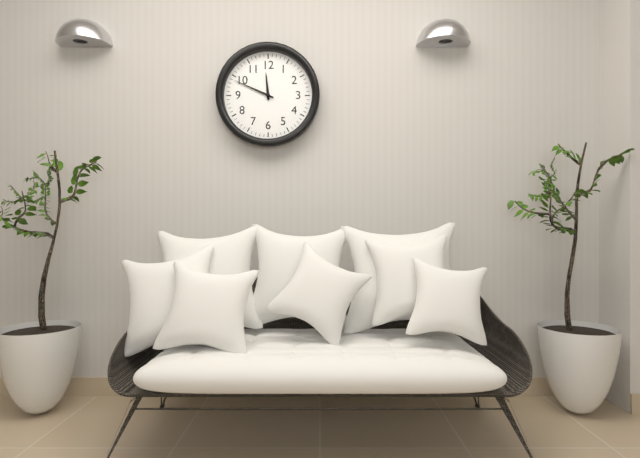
{"hour": 11, "minute": 49}
